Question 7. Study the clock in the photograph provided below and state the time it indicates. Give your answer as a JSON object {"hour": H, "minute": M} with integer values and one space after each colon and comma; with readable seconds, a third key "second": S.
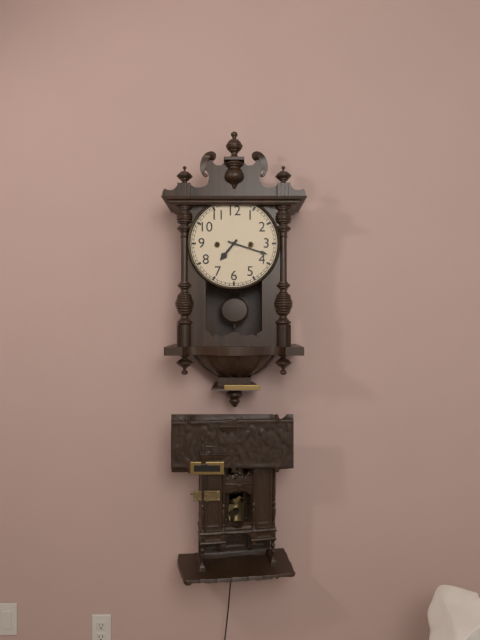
{"hour": 7, "minute": 18}
